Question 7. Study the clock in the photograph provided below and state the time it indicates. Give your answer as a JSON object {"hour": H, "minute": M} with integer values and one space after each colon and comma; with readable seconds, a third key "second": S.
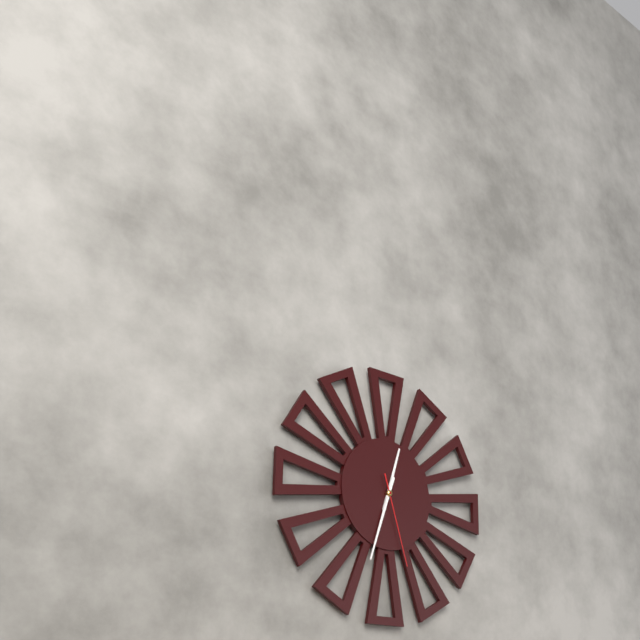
{"hour": 12, "minute": 33, "second": 27}
